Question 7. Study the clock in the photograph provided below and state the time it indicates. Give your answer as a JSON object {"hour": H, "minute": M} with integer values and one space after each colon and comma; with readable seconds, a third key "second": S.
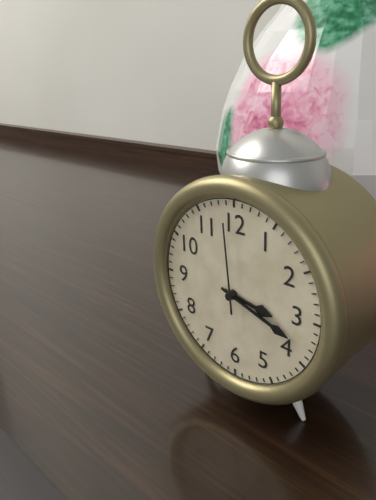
{"hour": 3, "minute": 18, "second": 59}
